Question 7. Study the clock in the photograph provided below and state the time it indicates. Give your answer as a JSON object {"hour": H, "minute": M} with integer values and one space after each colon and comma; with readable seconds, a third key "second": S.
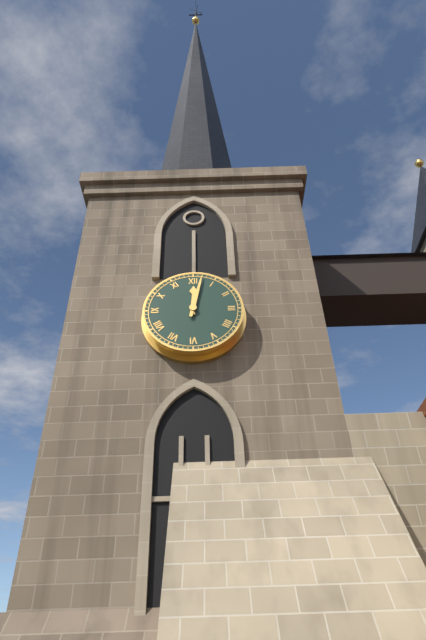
{"hour": 12, "minute": 2}
